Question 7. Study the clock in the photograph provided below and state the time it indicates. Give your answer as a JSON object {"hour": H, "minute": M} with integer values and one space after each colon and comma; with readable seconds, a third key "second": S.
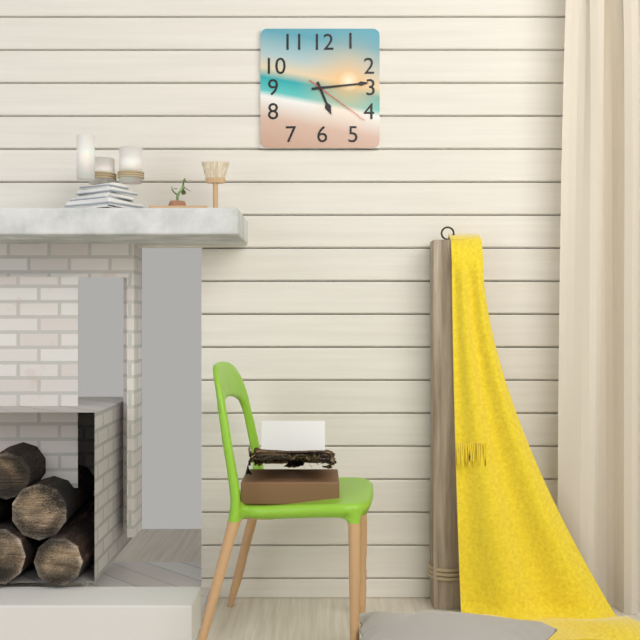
{"hour": 5, "minute": 14, "second": 21}
